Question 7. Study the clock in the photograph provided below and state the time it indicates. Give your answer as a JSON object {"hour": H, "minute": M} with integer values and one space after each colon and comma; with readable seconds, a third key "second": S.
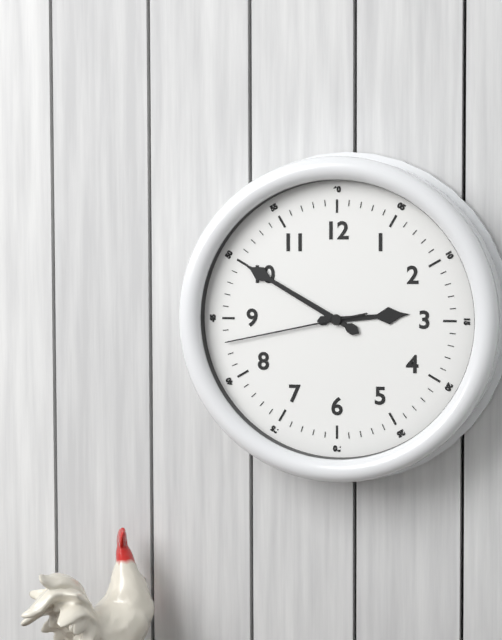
{"hour": 2, "minute": 50, "second": 43}
